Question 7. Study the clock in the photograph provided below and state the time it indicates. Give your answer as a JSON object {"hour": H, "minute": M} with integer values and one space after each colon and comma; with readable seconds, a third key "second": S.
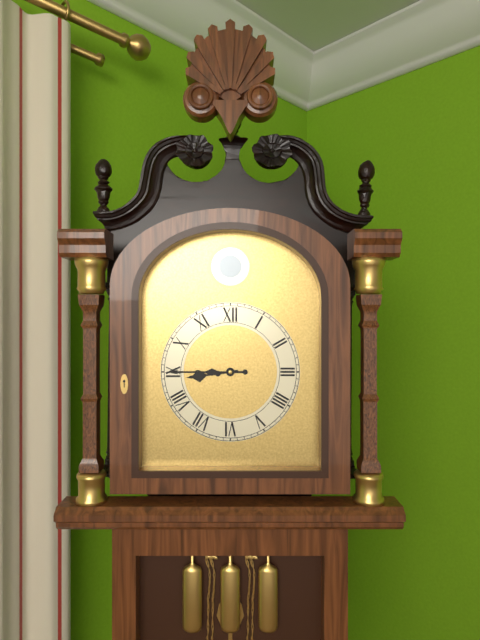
{"hour": 8, "minute": 45}
